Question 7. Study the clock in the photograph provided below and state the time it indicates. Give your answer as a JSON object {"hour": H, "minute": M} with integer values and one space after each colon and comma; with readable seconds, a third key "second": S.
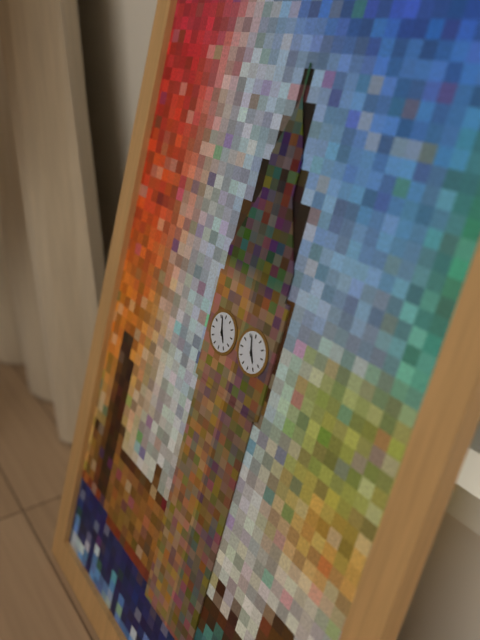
{"hour": 4, "minute": 57}
